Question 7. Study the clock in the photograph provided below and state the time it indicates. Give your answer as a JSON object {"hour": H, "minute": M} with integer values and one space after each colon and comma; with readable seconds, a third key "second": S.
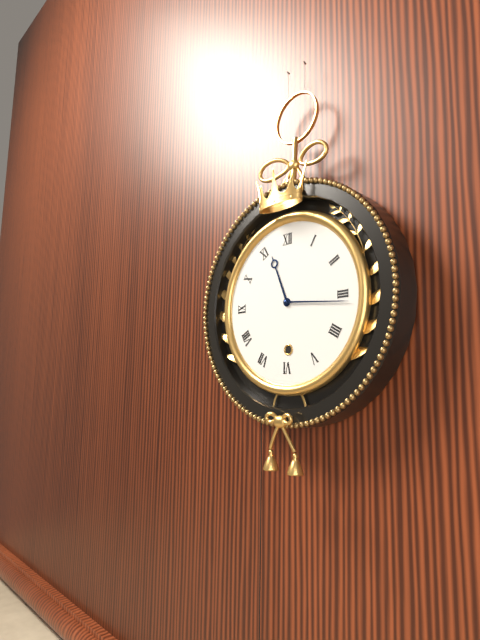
{"hour": 11, "minute": 16}
